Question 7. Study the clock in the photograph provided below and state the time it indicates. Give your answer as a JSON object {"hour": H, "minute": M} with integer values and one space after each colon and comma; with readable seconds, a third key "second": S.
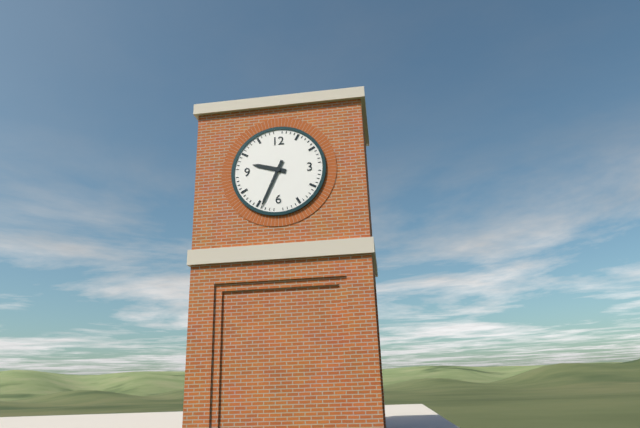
{"hour": 9, "minute": 34}
